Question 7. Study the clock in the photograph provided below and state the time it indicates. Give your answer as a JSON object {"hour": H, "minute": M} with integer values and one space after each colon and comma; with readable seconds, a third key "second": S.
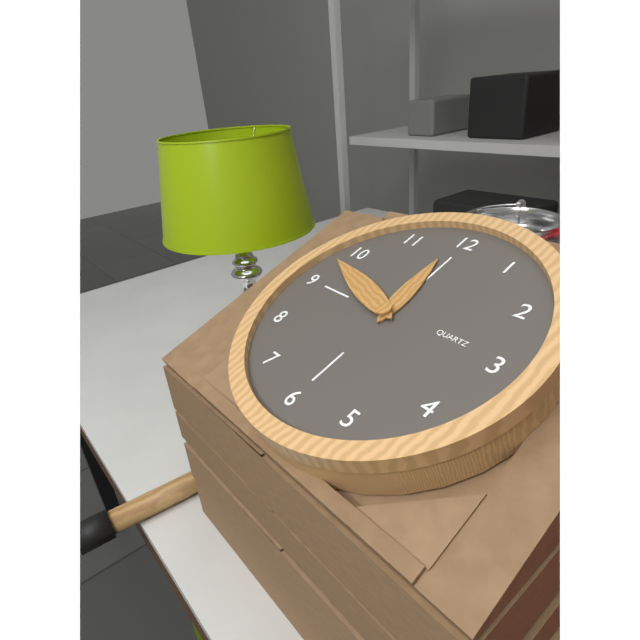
{"hour": 11, "minute": 48}
